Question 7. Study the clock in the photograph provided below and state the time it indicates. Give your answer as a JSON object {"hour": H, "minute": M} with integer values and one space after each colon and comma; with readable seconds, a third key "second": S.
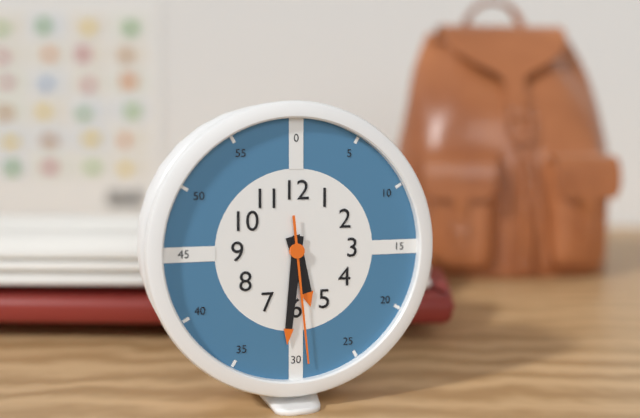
{"hour": 5, "minute": 31, "second": 29}
